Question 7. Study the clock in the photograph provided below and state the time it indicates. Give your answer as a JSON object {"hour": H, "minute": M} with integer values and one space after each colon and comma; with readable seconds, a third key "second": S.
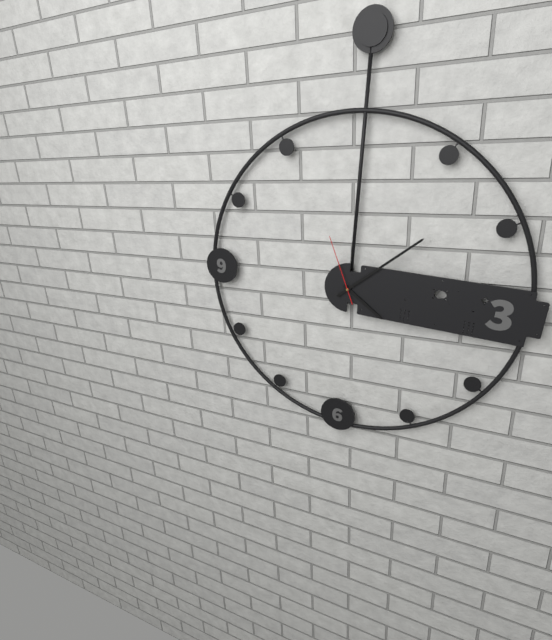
{"hour": 4, "minute": 8, "second": 56}
